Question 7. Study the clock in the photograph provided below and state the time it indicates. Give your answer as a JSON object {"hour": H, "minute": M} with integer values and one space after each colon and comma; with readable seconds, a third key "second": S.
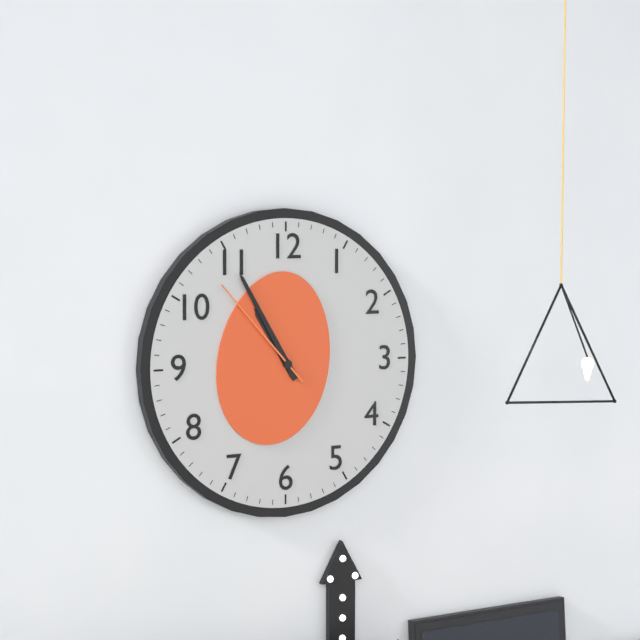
{"hour": 10, "minute": 55, "second": 53}
